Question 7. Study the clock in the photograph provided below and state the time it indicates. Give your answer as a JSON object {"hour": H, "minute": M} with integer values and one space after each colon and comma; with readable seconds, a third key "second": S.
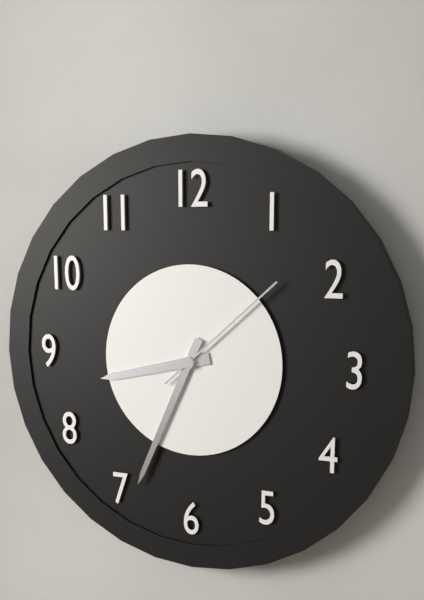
{"hour": 8, "minute": 34, "second": 8}
